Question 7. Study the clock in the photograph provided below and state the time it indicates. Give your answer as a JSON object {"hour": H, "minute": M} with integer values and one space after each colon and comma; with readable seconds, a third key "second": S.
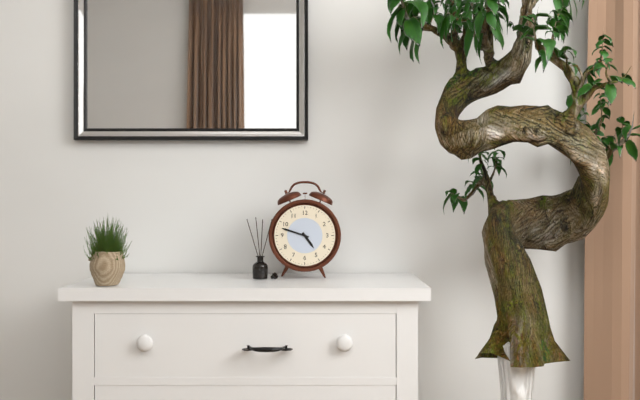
{"hour": 4, "minute": 48}
